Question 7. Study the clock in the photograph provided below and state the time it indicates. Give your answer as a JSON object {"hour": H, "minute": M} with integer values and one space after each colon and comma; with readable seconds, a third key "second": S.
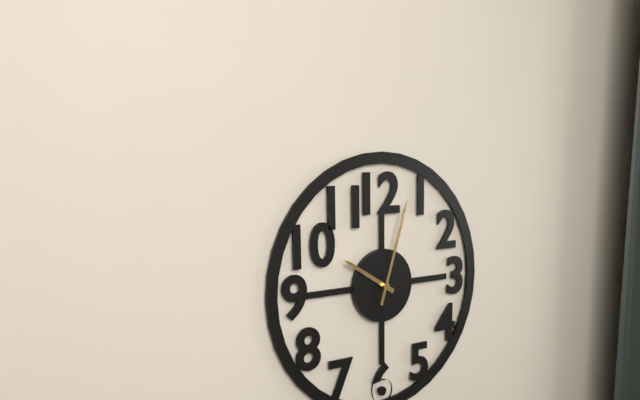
{"hour": 10, "minute": 3}
